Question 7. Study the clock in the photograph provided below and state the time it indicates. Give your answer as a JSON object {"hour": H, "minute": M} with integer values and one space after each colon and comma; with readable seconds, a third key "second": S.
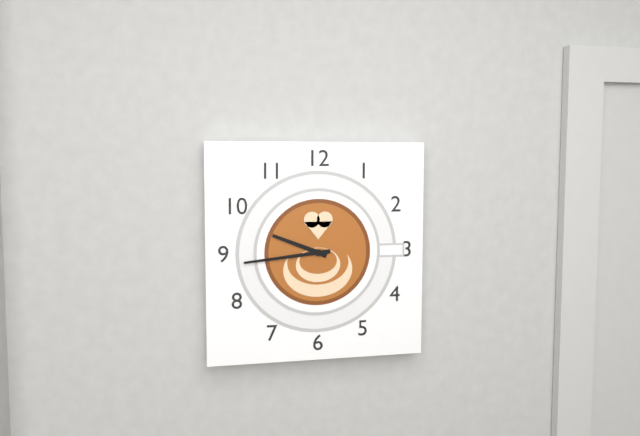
{"hour": 9, "minute": 44}
